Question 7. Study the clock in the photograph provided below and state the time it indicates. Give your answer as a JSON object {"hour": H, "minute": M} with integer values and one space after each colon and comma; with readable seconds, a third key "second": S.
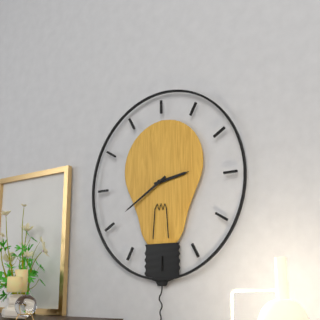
{"hour": 2, "minute": 40}
